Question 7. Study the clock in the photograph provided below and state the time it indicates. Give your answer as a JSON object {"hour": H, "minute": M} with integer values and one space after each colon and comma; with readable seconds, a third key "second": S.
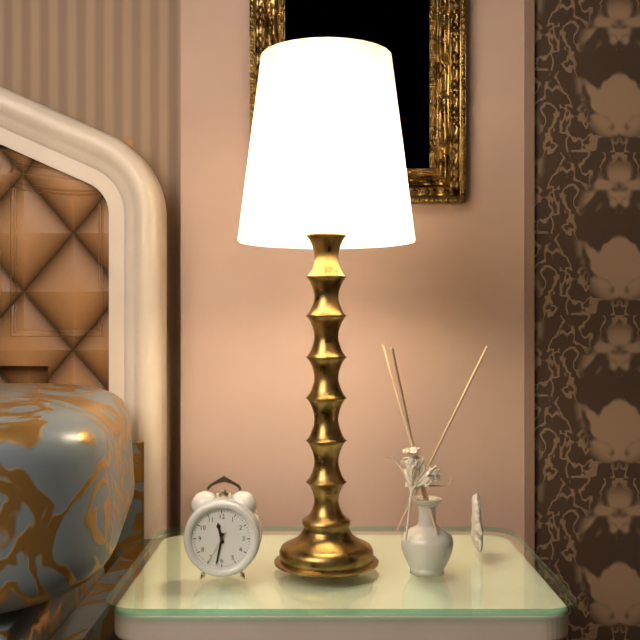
{"hour": 11, "minute": 32}
